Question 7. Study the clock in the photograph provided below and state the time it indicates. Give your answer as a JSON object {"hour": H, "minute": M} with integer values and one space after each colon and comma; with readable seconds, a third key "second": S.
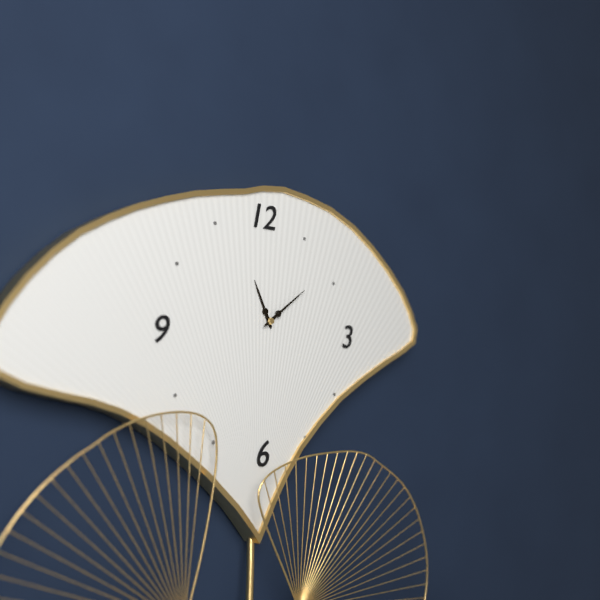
{"hour": 11, "minute": 9}
